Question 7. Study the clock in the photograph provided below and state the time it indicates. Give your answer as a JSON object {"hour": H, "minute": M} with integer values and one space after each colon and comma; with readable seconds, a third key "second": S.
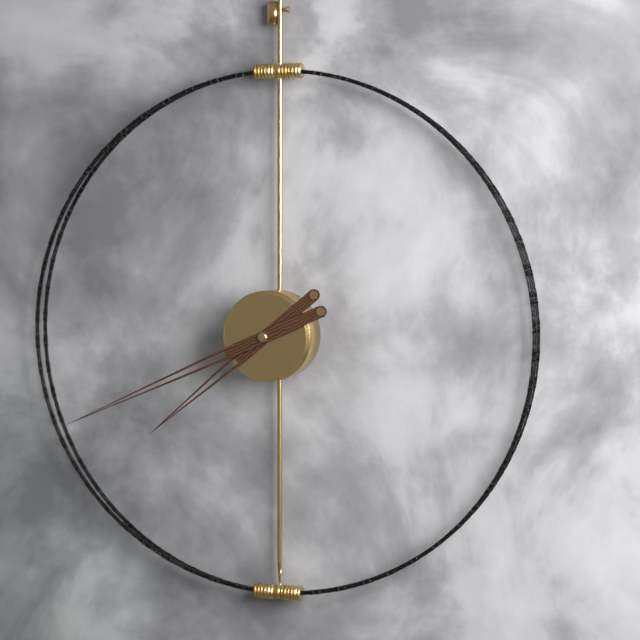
{"hour": 7, "minute": 41}
